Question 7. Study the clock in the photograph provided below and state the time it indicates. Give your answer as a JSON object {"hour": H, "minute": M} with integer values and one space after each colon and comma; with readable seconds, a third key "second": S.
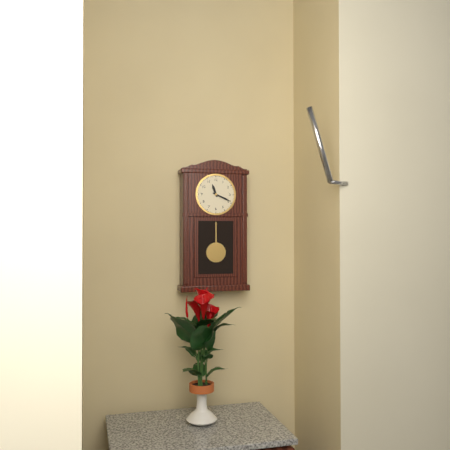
{"hour": 11, "minute": 19}
